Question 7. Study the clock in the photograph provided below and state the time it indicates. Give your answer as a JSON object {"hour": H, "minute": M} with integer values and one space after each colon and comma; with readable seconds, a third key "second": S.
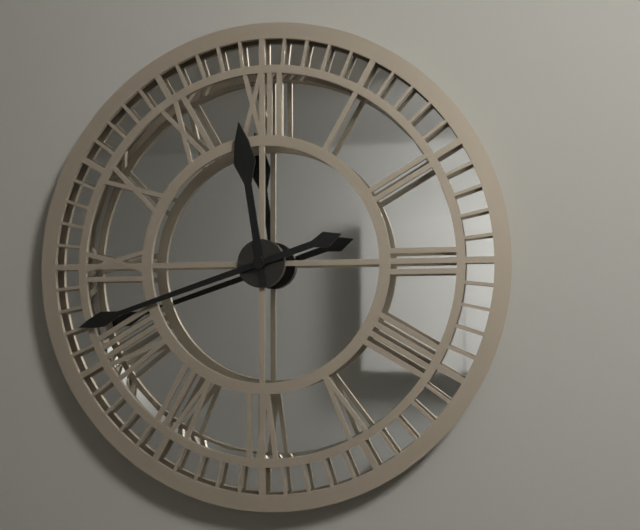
{"hour": 11, "minute": 42}
